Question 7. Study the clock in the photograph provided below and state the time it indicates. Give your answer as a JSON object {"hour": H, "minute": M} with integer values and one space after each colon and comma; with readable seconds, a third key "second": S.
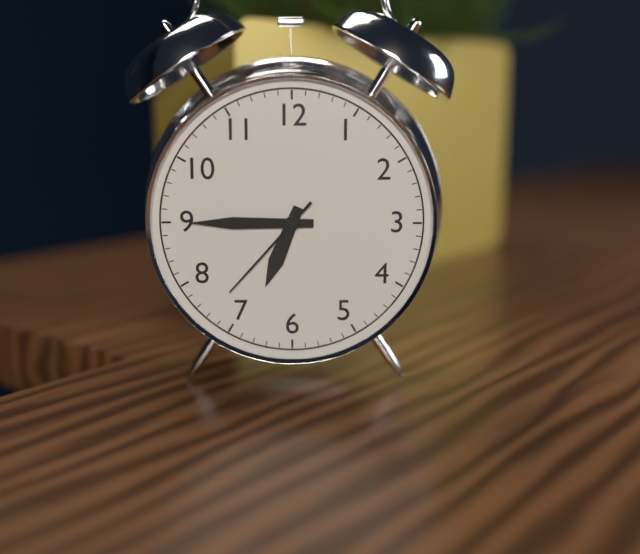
{"hour": 6, "minute": 45, "second": 37}
